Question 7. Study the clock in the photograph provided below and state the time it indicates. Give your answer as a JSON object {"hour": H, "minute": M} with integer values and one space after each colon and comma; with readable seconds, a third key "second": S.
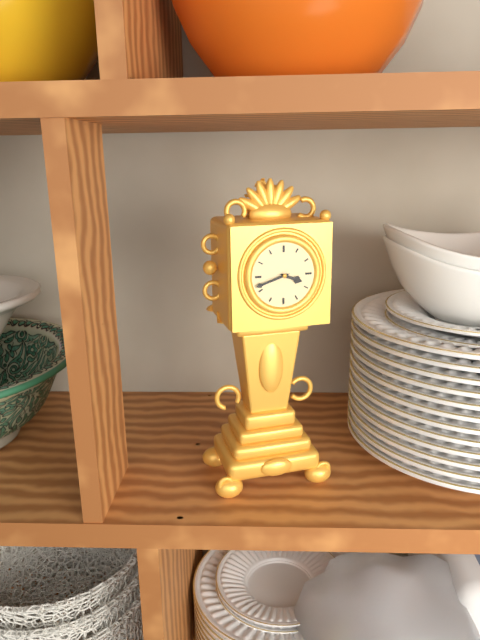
{"hour": 3, "minute": 42}
